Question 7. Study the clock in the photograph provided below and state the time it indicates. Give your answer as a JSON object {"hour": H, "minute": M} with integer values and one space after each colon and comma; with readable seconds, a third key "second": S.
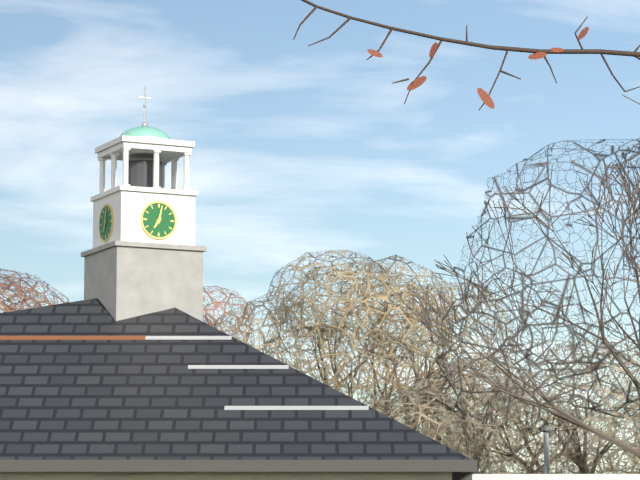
{"hour": 7, "minute": 2}
